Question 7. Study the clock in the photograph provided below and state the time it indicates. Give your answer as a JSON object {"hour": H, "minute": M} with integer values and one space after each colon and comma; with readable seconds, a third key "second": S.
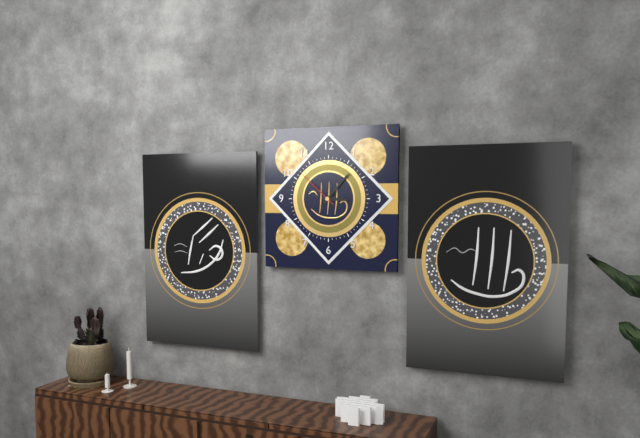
{"hour": 3, "minute": 7}
